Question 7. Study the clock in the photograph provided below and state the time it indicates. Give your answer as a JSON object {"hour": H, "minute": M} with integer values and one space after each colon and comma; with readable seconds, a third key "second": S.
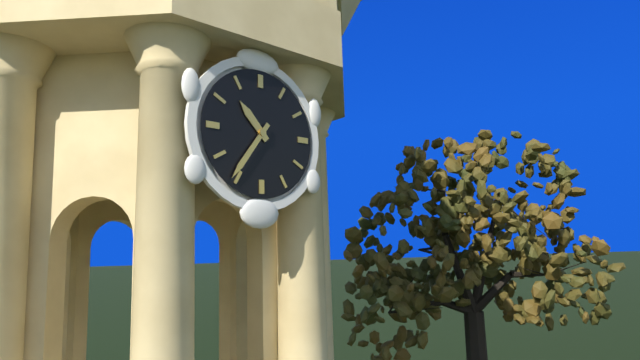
{"hour": 10, "minute": 36}
